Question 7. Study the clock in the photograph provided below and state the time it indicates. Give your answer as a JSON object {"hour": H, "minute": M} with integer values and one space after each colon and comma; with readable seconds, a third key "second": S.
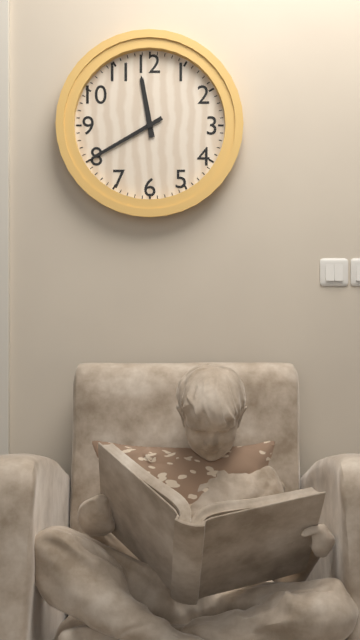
{"hour": 11, "minute": 40}
